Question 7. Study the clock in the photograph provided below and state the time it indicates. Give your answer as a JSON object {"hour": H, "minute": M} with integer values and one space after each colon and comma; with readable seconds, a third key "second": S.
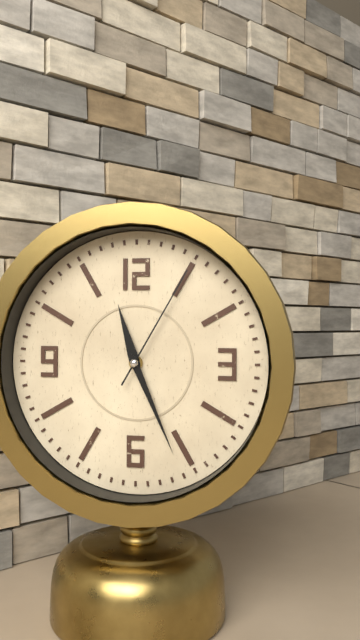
{"hour": 11, "minute": 26, "second": 5}
